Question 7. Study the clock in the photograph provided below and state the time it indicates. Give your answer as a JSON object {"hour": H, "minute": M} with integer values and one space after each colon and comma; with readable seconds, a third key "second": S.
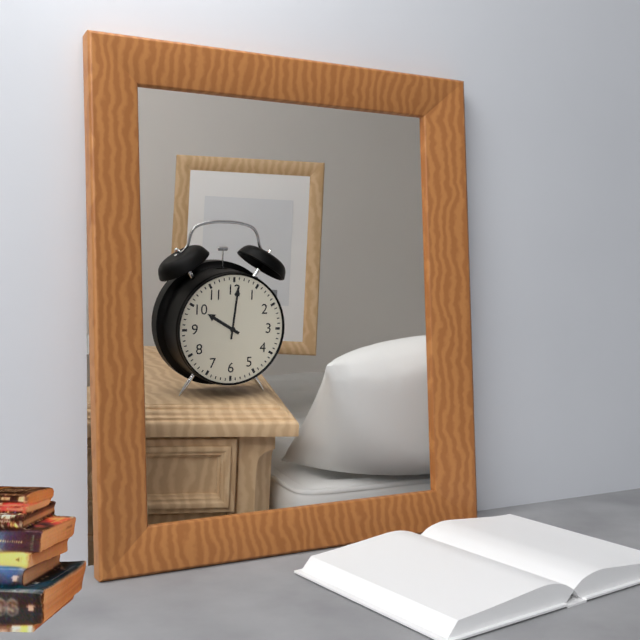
{"hour": 10, "minute": 1}
